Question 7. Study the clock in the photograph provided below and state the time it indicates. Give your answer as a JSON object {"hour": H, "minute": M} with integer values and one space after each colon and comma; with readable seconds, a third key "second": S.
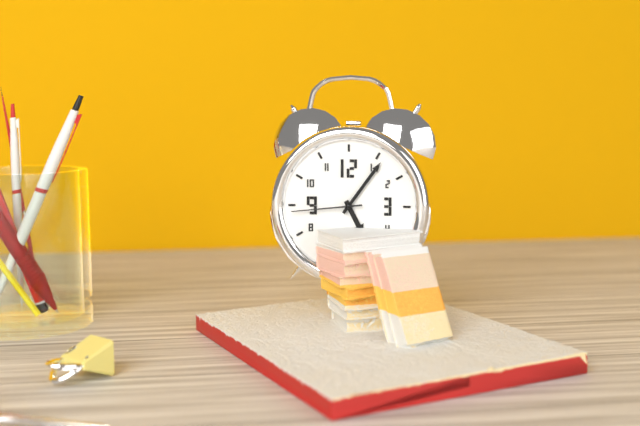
{"hour": 5, "minute": 6, "second": 44}
